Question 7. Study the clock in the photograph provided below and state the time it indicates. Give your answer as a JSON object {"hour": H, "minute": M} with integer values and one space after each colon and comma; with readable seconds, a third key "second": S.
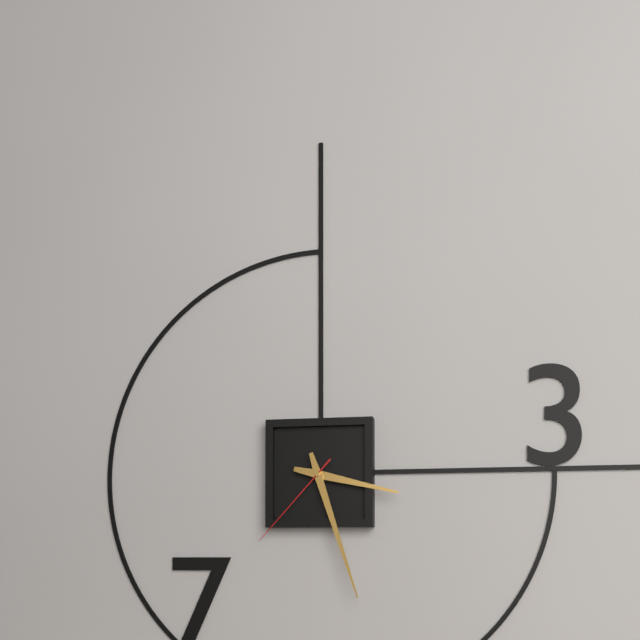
{"hour": 3, "minute": 27, "second": 37}
